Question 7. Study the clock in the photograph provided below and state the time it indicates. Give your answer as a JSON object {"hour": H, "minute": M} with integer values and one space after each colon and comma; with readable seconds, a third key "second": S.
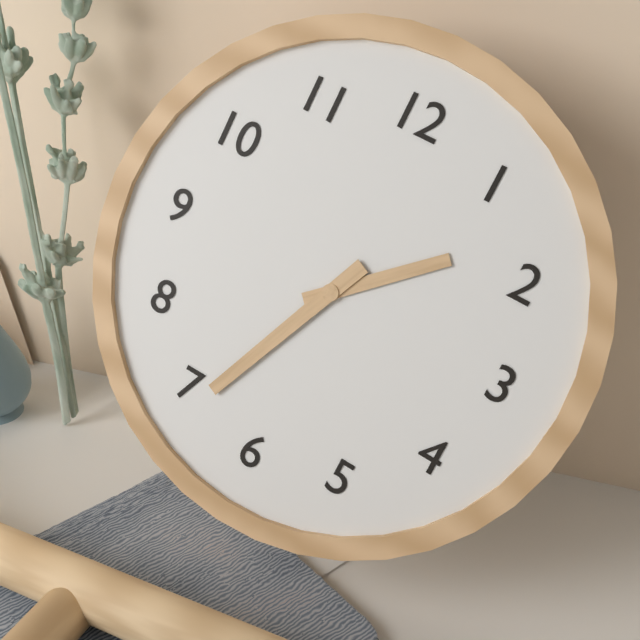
{"hour": 1, "minute": 34}
